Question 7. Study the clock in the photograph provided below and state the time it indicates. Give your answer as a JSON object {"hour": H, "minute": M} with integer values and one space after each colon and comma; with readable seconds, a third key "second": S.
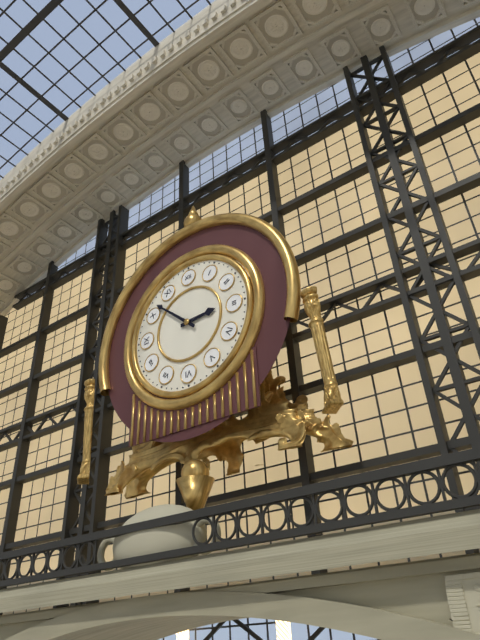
{"hour": 2, "minute": 52}
